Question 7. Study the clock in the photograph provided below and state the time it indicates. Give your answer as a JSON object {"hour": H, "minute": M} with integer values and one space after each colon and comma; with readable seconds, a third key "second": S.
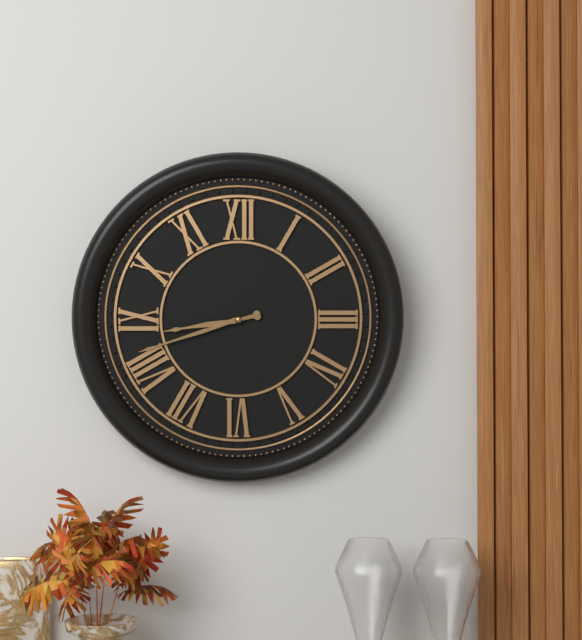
{"hour": 8, "minute": 42}
